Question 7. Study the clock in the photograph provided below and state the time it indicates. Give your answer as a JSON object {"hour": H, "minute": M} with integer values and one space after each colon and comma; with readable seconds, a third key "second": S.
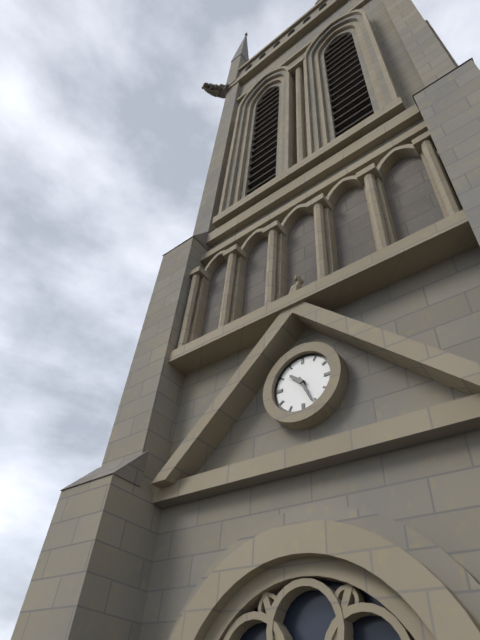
{"hour": 10, "minute": 26}
